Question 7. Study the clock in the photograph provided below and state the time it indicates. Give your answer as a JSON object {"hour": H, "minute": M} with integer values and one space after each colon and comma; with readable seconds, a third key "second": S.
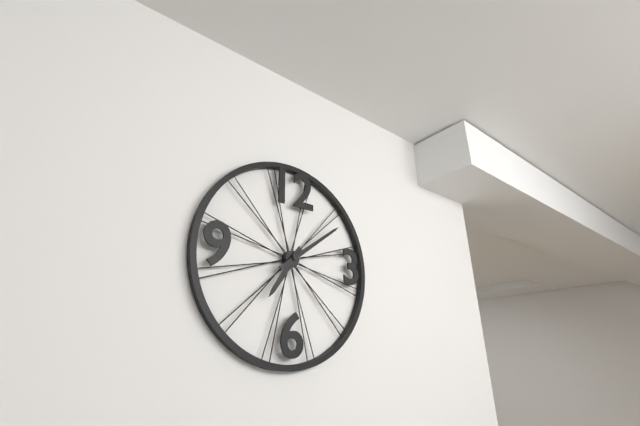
{"hour": 7, "minute": 9}
